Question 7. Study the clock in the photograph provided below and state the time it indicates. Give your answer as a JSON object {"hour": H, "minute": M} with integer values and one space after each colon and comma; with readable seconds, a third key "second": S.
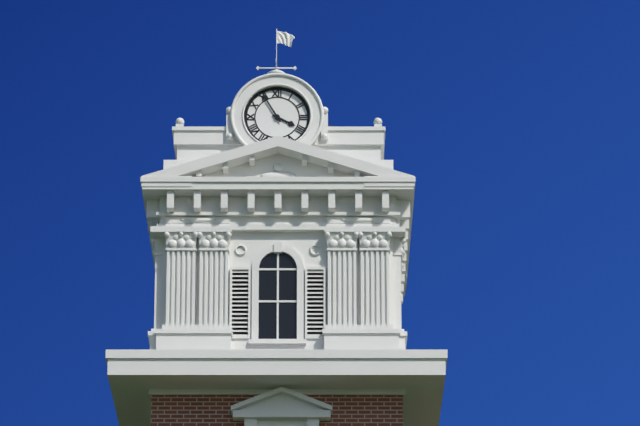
{"hour": 3, "minute": 55}
